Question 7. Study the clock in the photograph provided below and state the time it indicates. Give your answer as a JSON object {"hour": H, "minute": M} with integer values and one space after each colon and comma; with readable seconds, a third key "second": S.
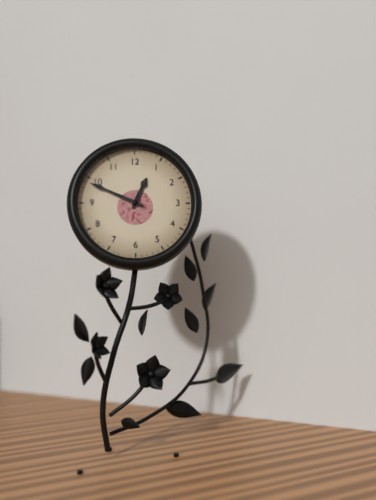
{"hour": 12, "minute": 49}
